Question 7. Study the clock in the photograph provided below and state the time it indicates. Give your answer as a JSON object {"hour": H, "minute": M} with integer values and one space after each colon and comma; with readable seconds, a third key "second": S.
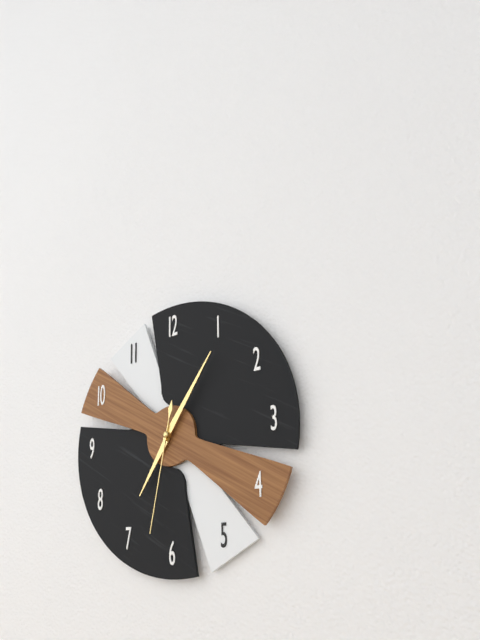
{"hour": 7, "minute": 6, "second": 32}
